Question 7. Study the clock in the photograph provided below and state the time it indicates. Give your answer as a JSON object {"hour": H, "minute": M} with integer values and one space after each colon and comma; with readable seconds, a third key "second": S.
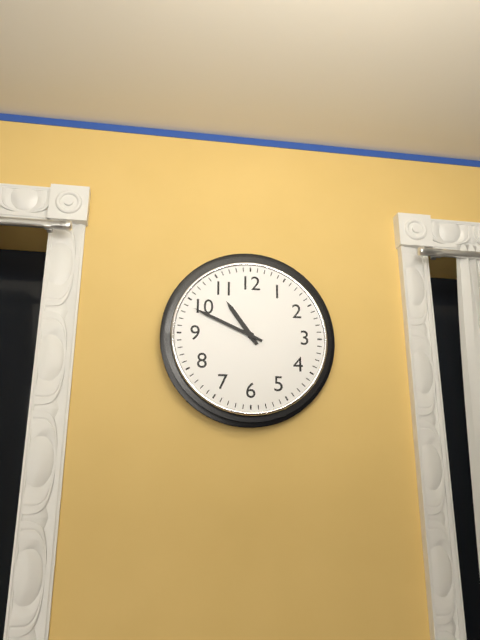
{"hour": 10, "minute": 49}
